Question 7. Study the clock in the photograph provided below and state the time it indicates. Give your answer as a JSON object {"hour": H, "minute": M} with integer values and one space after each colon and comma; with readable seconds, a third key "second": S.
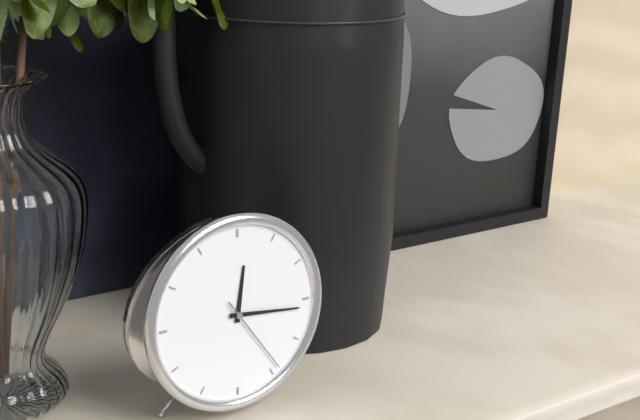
{"hour": 12, "minute": 16, "second": 24}
